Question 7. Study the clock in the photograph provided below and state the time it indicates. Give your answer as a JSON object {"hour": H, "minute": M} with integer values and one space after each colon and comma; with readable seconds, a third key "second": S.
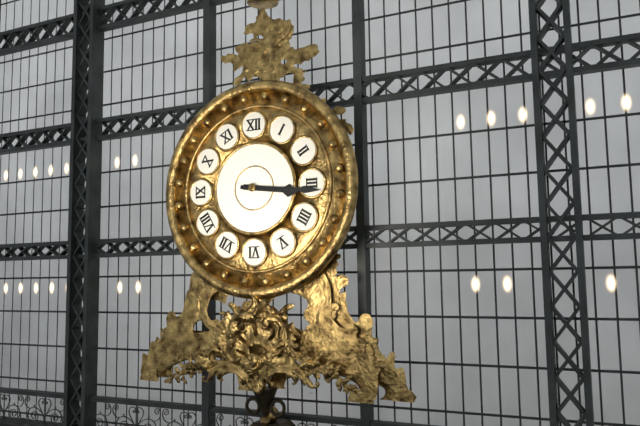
{"hour": 3, "minute": 16}
